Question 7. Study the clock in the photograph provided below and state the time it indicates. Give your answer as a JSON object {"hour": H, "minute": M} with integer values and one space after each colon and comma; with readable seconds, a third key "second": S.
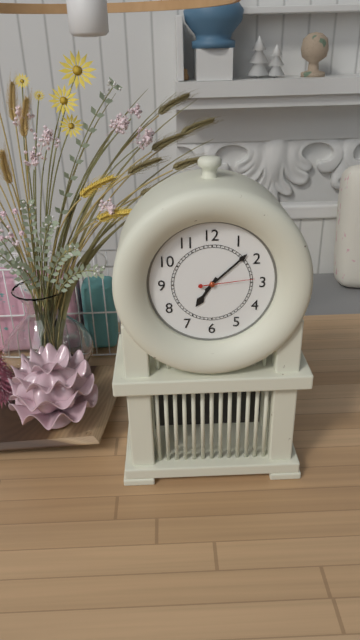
{"hour": 7, "minute": 8, "second": 14}
